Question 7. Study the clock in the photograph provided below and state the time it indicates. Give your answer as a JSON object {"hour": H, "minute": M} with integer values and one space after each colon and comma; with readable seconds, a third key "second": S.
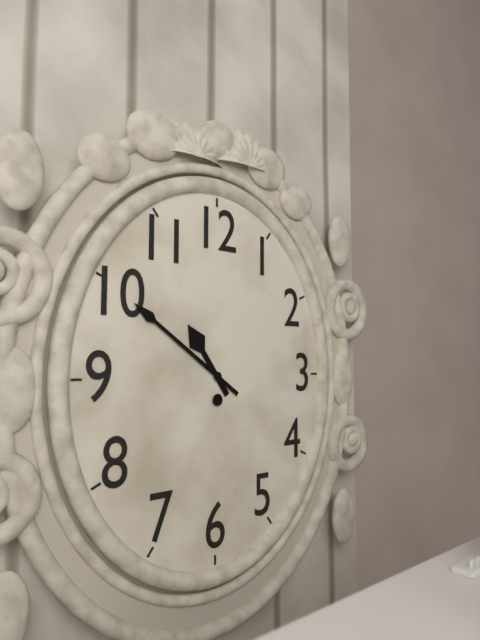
{"hour": 10, "minute": 51}
